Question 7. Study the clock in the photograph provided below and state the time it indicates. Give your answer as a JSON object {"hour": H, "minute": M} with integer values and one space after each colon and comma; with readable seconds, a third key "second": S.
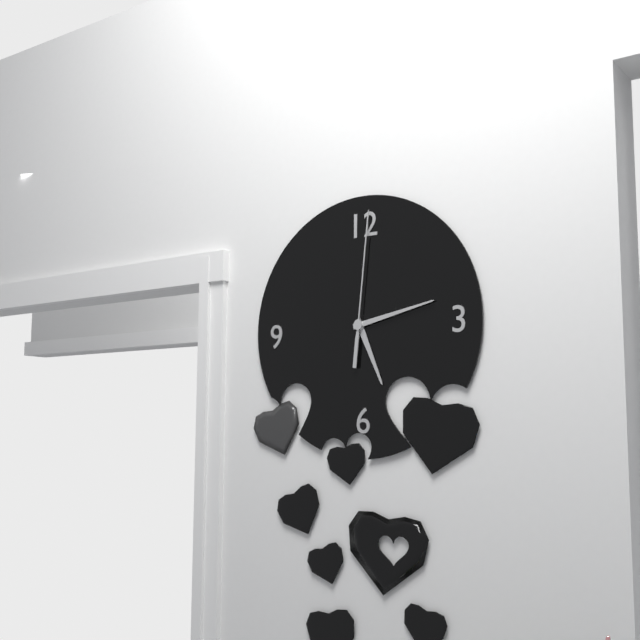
{"hour": 5, "minute": 13, "second": 1}
